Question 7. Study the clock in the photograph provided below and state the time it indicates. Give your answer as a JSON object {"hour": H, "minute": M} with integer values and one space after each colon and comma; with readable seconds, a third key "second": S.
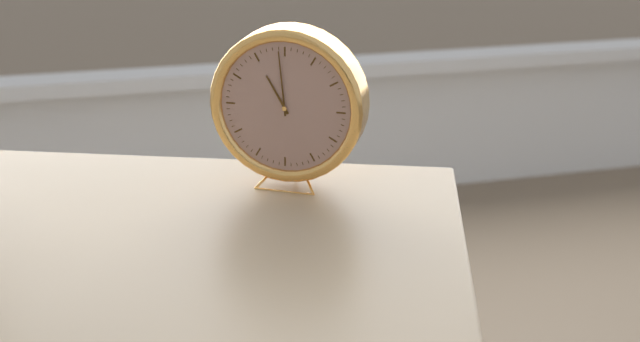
{"hour": 10, "minute": 59}
